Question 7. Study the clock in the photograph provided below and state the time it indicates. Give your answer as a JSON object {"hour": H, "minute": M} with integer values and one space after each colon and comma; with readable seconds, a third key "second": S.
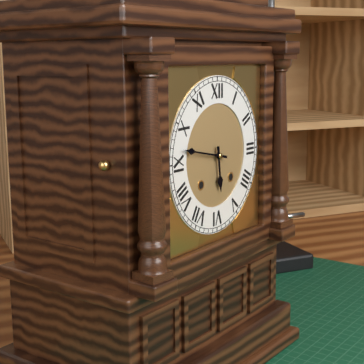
{"hour": 5, "minute": 47}
